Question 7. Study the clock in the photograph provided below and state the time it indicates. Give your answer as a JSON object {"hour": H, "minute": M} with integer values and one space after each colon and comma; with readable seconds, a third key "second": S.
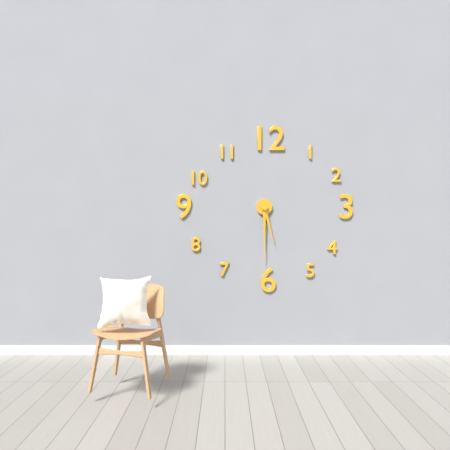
{"hour": 5, "minute": 30}
